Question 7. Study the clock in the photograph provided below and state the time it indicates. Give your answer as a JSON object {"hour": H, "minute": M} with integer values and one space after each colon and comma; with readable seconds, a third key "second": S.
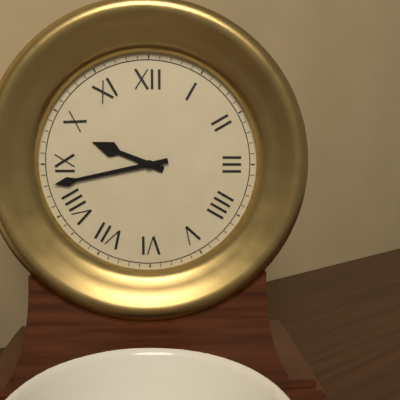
{"hour": 9, "minute": 43}
